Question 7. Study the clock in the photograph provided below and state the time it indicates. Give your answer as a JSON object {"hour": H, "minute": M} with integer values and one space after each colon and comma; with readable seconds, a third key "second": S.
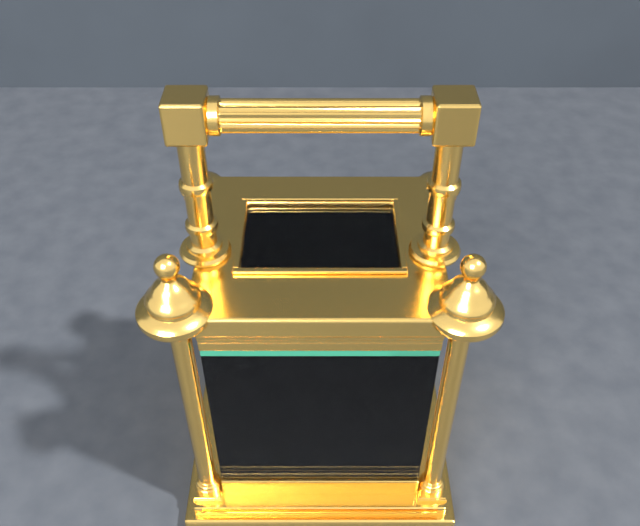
{"hour": 3, "minute": 45}
